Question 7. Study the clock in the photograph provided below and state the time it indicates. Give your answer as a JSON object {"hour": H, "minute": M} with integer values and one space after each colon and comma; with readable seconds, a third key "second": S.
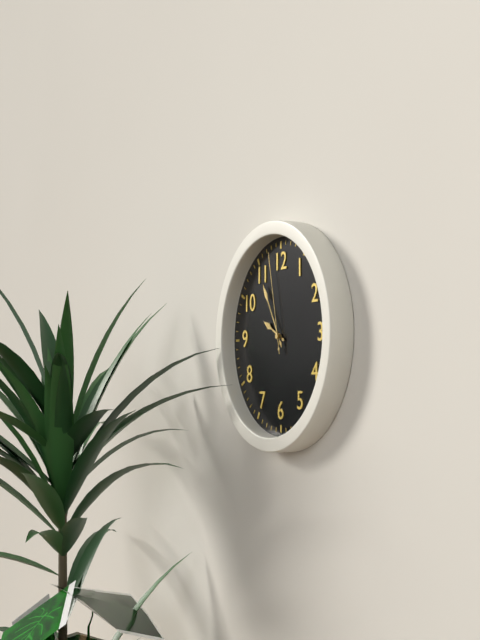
{"hour": 9, "minute": 55, "second": 58}
